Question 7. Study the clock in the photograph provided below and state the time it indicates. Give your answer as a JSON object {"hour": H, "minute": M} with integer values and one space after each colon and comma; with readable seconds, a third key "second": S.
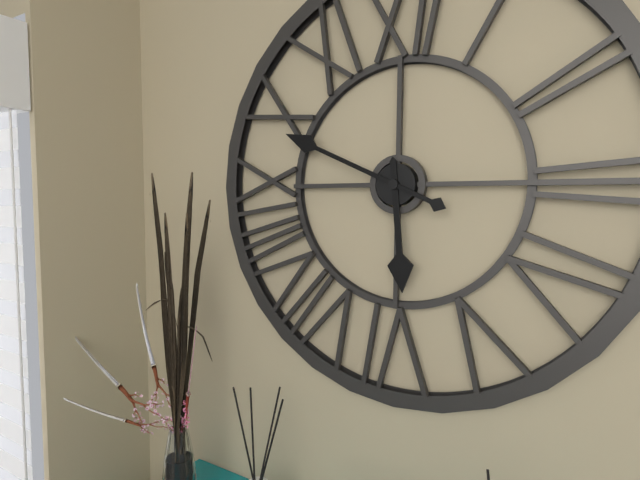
{"hour": 5, "minute": 49}
